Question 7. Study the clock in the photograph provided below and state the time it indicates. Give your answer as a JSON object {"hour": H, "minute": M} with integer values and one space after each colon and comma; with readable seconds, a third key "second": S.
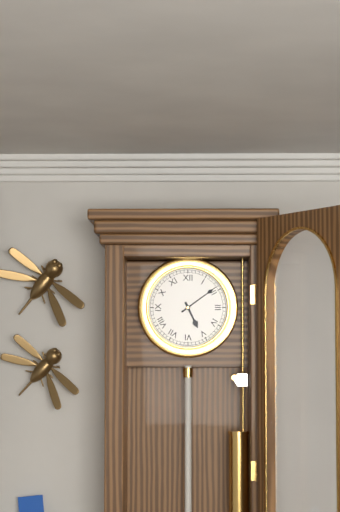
{"hour": 5, "minute": 9}
